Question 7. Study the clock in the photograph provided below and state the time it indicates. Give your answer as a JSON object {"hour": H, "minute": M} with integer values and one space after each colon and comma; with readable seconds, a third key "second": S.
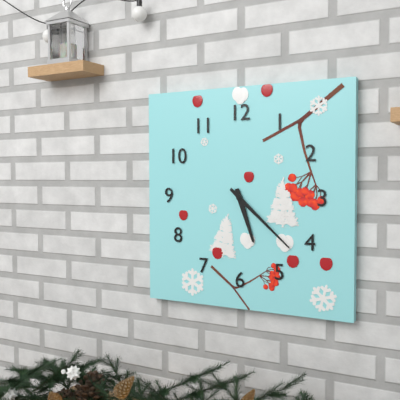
{"hour": 5, "minute": 22}
